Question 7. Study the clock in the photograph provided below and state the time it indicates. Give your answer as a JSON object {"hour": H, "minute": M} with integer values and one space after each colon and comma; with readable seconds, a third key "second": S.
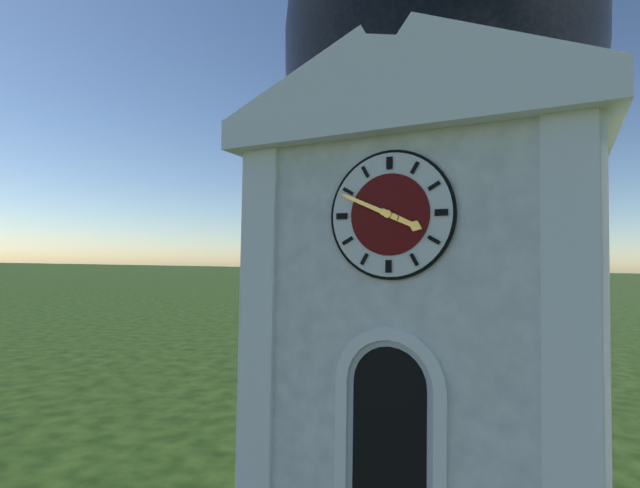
{"hour": 3, "minute": 49}
